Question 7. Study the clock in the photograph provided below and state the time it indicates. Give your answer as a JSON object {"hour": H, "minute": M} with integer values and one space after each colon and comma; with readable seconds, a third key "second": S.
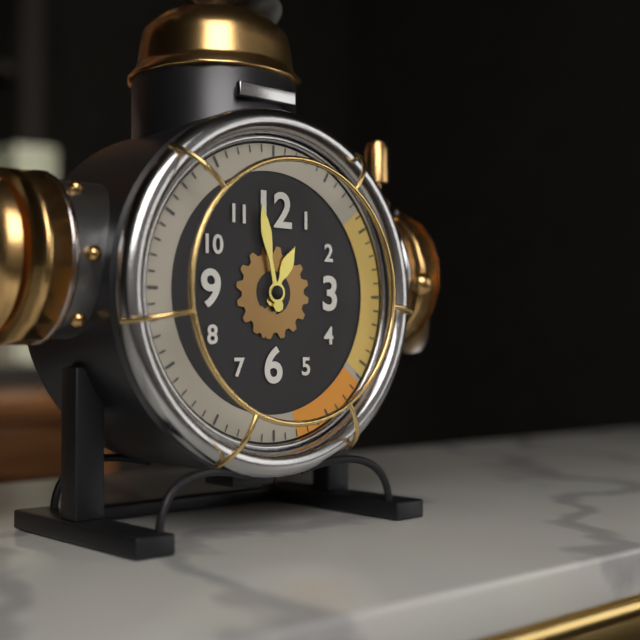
{"hour": 12, "minute": 58}
